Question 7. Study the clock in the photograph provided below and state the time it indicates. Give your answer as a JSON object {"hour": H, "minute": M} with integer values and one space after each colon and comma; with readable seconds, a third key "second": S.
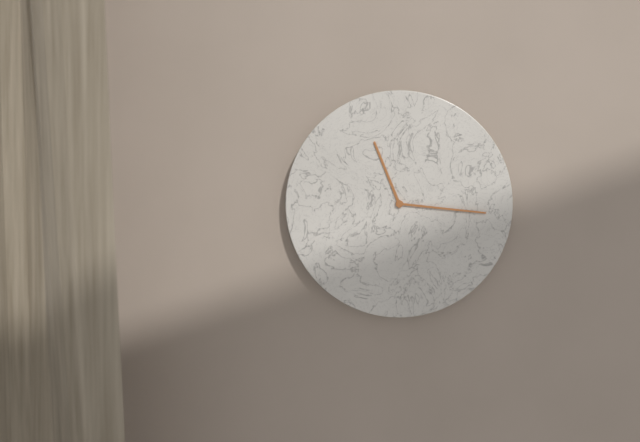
{"hour": 11, "minute": 16}
